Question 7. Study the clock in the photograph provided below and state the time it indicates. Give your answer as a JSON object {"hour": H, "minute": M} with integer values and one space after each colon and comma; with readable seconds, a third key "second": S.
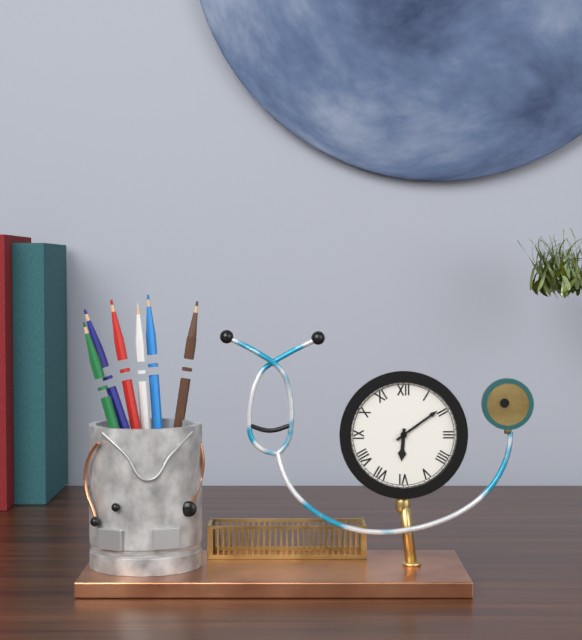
{"hour": 6, "minute": 9}
